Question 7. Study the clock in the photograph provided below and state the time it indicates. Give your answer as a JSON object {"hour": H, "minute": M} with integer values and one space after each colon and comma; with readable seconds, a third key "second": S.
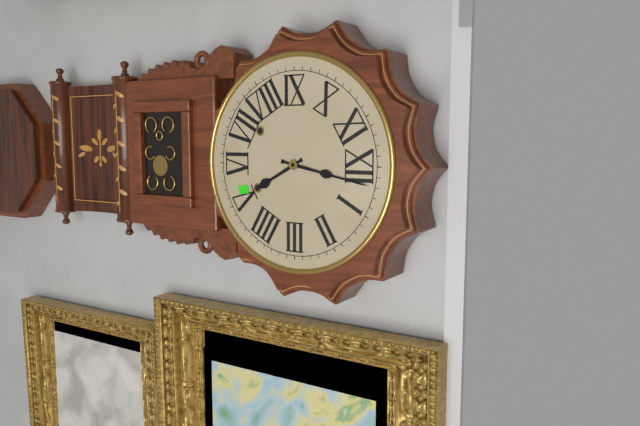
{"hour": 5, "minute": 2}
